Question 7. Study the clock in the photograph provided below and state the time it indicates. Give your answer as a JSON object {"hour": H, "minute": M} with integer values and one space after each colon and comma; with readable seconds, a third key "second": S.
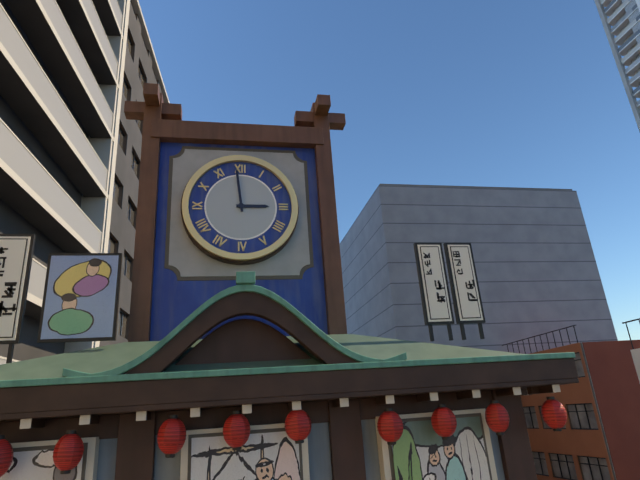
{"hour": 2, "minute": 59}
